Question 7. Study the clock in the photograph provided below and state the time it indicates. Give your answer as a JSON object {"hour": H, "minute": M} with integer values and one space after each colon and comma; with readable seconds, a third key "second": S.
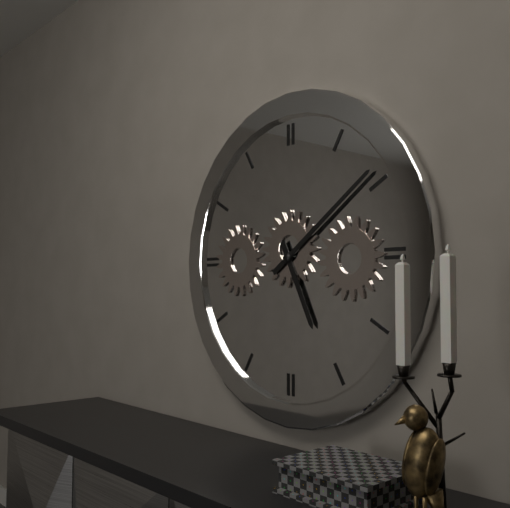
{"hour": 5, "minute": 9}
